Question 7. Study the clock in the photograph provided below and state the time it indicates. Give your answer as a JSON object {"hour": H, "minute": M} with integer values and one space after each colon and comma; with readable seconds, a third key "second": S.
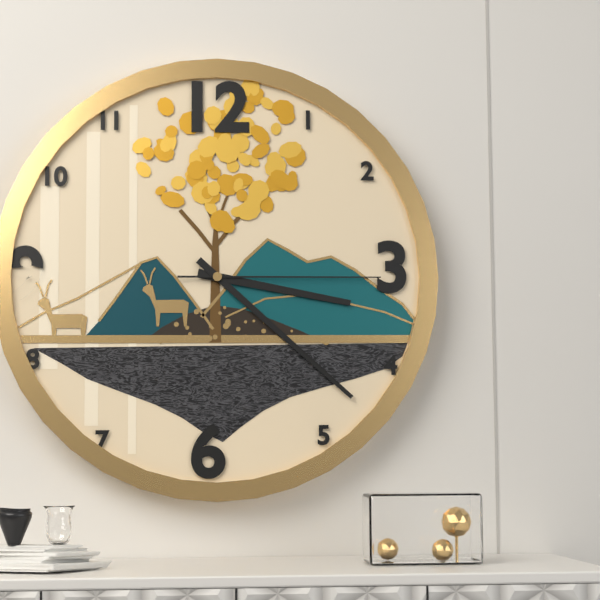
{"hour": 3, "minute": 22, "second": 15}
